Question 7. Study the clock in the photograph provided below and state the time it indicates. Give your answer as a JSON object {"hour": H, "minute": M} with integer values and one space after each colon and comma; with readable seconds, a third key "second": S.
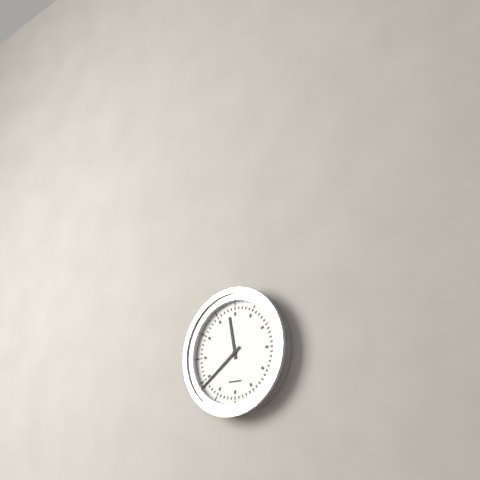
{"hour": 11, "minute": 39}
